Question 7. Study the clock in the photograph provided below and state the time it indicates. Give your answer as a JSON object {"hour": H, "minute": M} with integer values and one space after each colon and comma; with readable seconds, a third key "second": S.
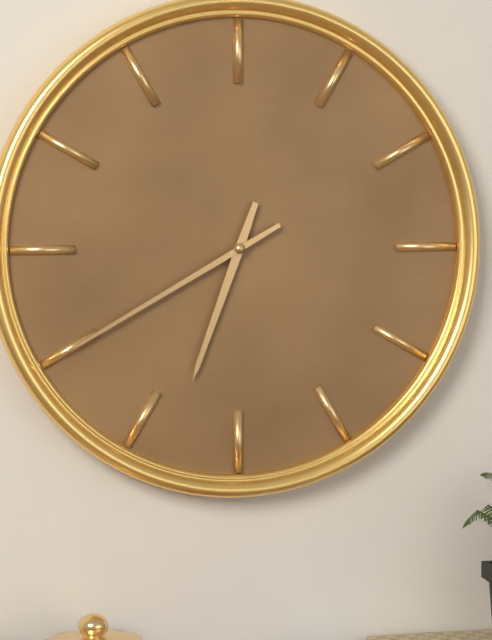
{"hour": 6, "minute": 40}
